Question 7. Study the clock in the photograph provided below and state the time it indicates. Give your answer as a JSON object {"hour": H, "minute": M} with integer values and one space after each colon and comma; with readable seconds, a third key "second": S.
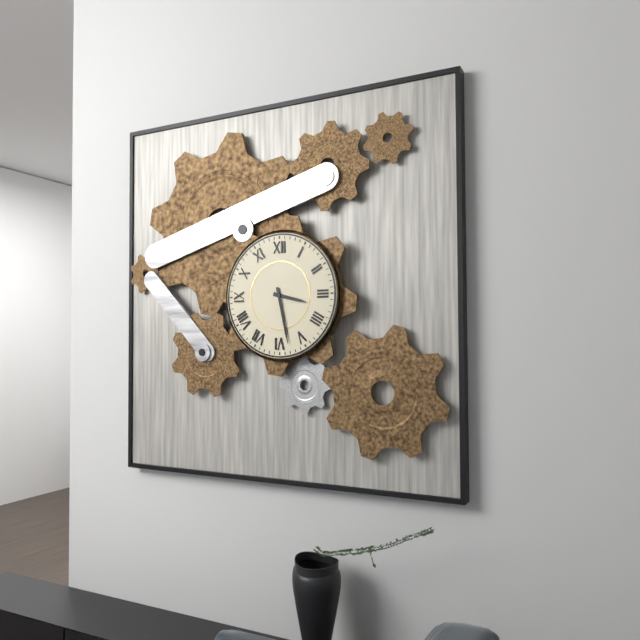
{"hour": 3, "minute": 28}
